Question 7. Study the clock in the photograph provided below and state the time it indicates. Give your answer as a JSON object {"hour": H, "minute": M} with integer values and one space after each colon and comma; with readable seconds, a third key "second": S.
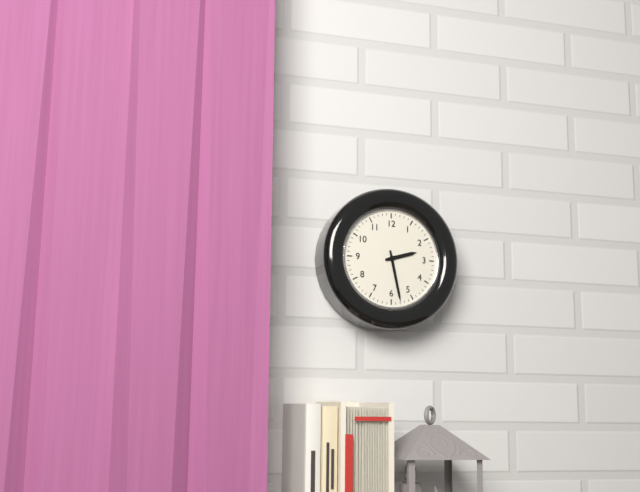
{"hour": 2, "minute": 28}
